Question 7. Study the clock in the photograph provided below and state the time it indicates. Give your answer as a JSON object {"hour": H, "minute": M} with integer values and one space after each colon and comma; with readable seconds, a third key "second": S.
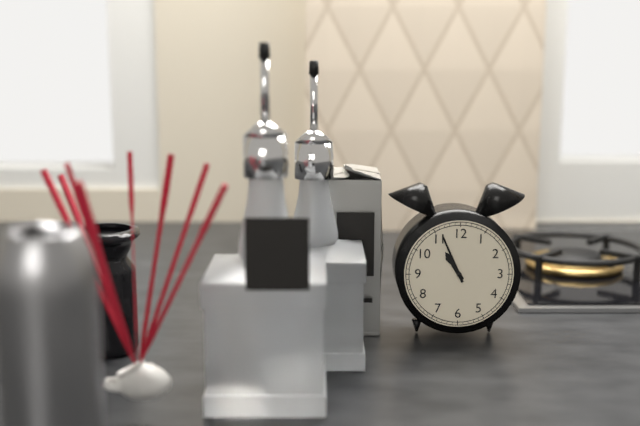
{"hour": 10, "minute": 56}
